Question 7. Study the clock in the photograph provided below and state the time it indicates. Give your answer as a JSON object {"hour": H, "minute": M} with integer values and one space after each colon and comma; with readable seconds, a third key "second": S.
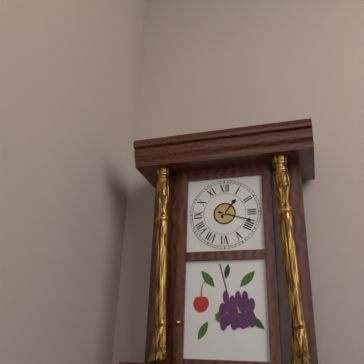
{"hour": 1, "minute": 18}
